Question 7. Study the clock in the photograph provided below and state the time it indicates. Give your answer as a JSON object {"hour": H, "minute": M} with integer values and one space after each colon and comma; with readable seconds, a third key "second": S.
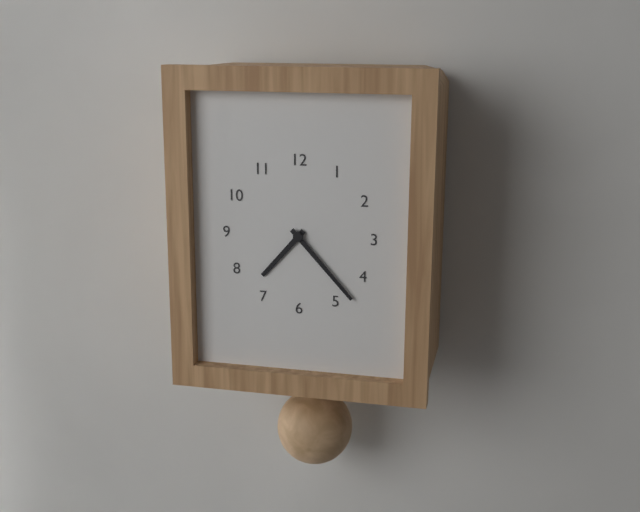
{"hour": 7, "minute": 23}
